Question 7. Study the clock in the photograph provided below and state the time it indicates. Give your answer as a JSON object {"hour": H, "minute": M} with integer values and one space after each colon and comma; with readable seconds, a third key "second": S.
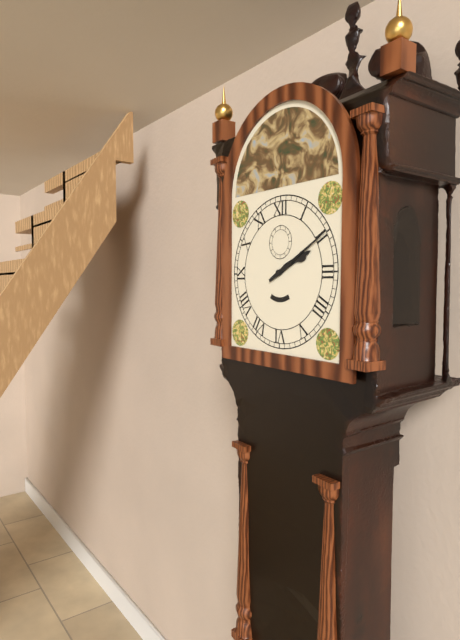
{"hour": 2, "minute": 10}
